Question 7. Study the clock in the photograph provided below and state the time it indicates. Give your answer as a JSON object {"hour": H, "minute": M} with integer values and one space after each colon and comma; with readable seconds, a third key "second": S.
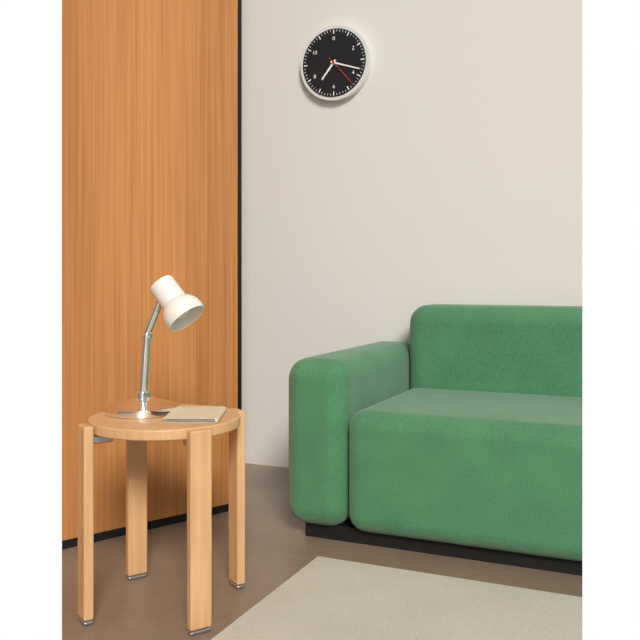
{"hour": 7, "minute": 18}
